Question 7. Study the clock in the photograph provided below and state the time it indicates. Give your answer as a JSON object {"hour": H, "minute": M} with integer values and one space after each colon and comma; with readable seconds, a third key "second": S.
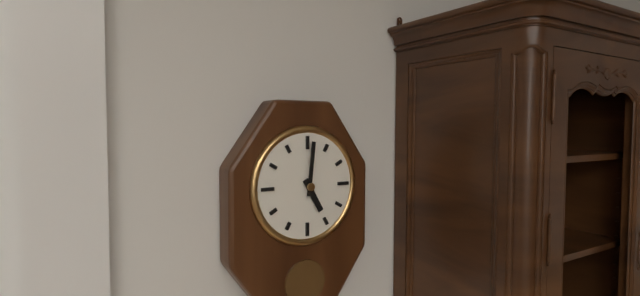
{"hour": 5, "minute": 1}
